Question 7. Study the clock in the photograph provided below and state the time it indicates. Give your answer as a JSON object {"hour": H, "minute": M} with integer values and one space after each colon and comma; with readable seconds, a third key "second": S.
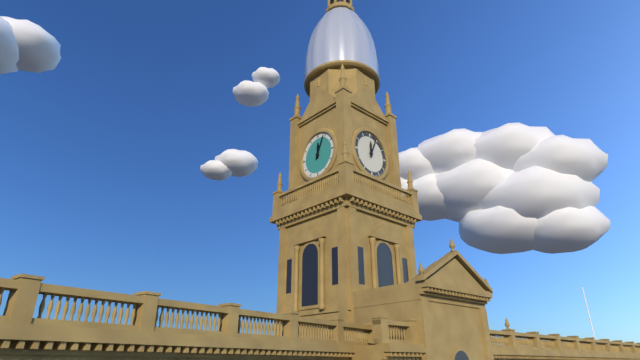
{"hour": 12, "minute": 4}
